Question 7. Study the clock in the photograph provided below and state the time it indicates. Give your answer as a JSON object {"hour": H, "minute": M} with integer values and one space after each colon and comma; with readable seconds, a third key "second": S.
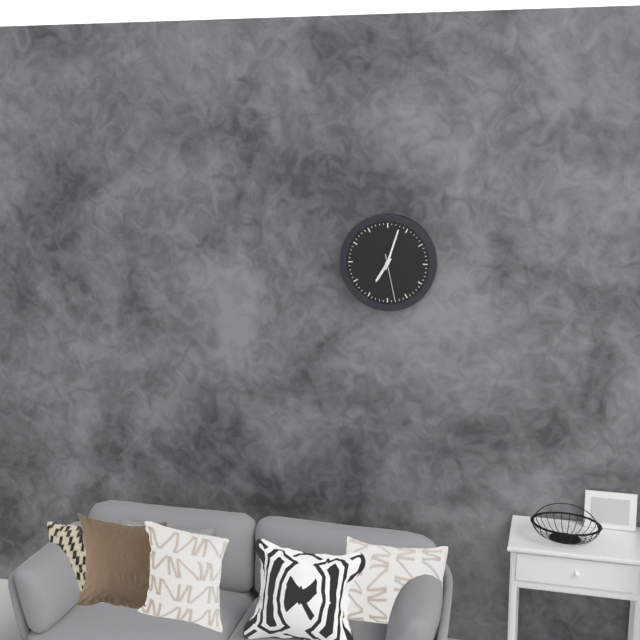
{"hour": 7, "minute": 3}
